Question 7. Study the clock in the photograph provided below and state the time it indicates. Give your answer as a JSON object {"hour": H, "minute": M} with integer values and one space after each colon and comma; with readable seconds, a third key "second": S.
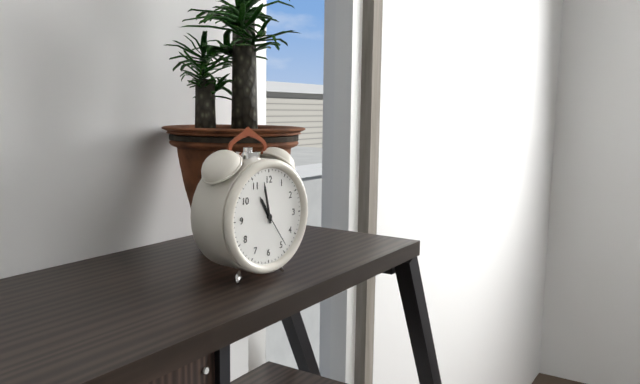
{"hour": 10, "minute": 58}
